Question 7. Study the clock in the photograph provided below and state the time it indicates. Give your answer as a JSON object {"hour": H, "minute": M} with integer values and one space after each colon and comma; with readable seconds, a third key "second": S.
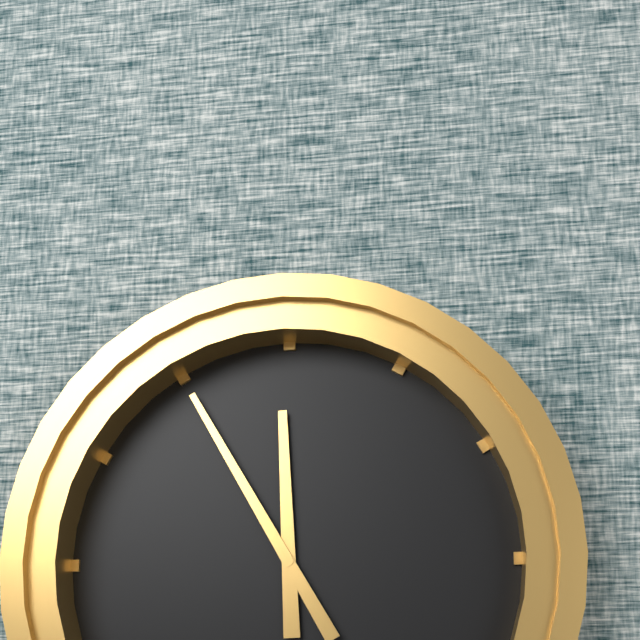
{"hour": 11, "minute": 55}
